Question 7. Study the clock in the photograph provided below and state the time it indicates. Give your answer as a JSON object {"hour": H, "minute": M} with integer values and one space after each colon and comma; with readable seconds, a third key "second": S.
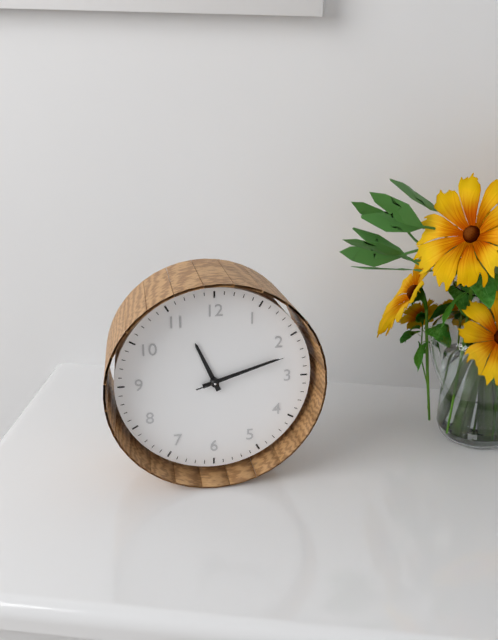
{"hour": 11, "minute": 12, "second": 12}
